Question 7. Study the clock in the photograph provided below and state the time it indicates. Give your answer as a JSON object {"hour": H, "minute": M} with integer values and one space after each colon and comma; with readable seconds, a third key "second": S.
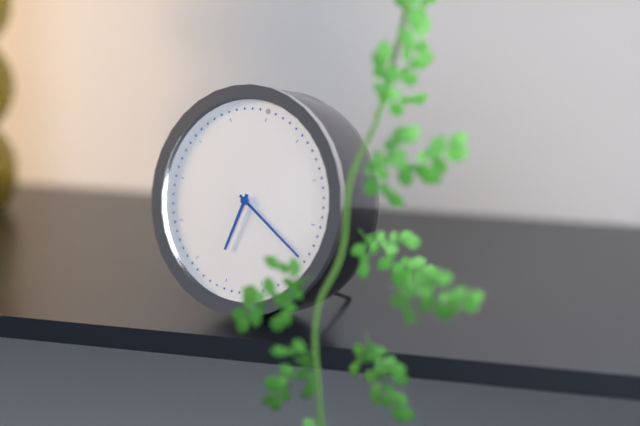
{"hour": 6, "minute": 19}
